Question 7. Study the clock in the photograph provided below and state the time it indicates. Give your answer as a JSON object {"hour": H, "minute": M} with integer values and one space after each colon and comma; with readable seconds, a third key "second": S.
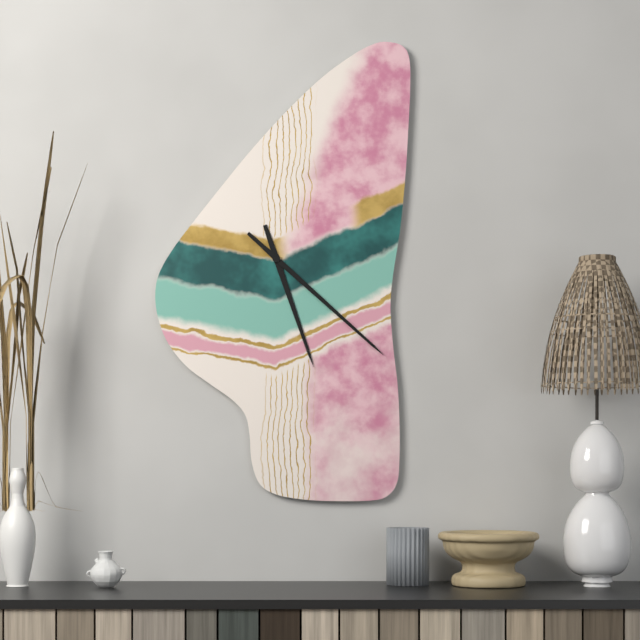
{"hour": 5, "minute": 22}
